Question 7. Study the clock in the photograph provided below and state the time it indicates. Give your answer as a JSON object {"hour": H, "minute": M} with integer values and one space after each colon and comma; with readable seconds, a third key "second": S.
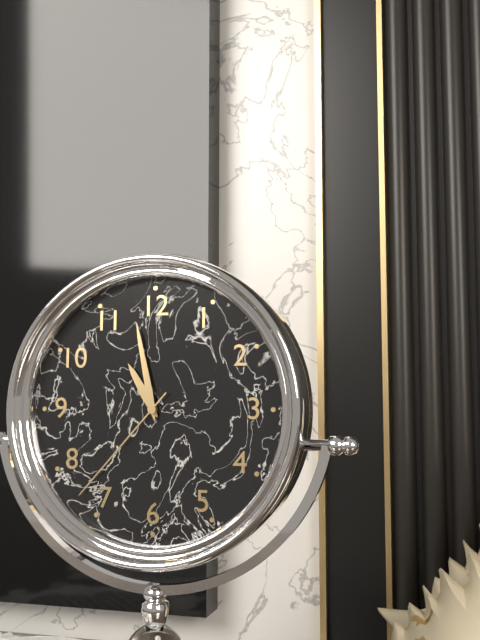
{"hour": 10, "minute": 58, "second": 37}
